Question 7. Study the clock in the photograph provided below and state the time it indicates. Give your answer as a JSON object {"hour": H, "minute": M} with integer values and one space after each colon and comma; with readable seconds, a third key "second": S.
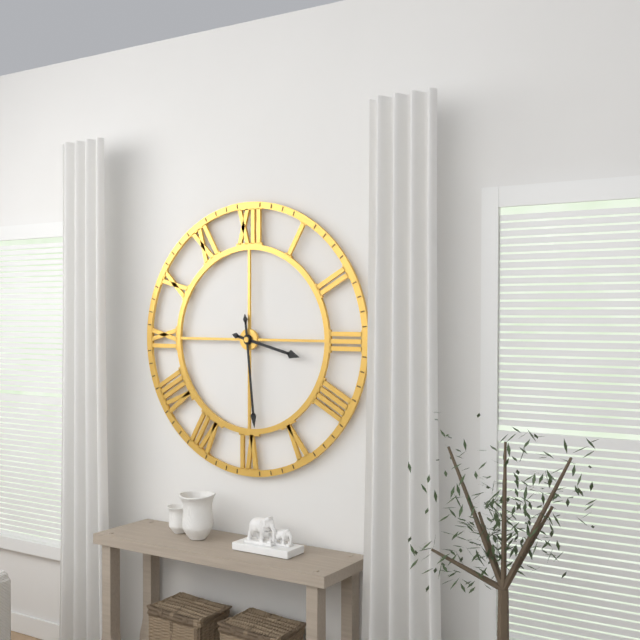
{"hour": 3, "minute": 29}
